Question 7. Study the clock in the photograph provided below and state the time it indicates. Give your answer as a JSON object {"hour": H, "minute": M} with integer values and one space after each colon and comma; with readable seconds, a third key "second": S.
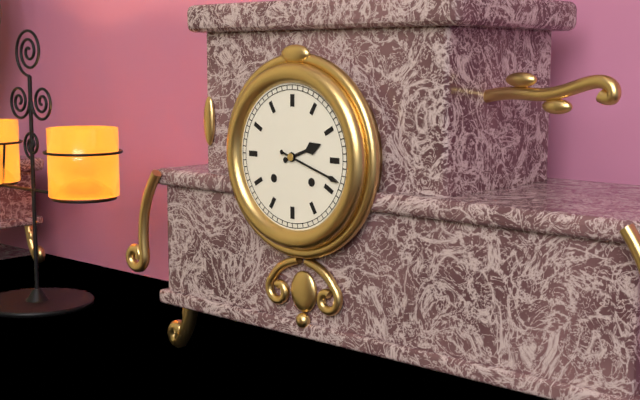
{"hour": 2, "minute": 18}
